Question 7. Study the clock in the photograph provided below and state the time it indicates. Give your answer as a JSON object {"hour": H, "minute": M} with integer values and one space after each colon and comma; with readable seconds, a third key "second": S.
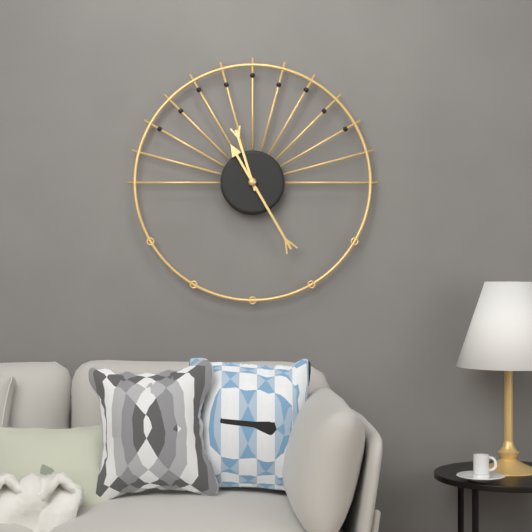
{"hour": 11, "minute": 25}
